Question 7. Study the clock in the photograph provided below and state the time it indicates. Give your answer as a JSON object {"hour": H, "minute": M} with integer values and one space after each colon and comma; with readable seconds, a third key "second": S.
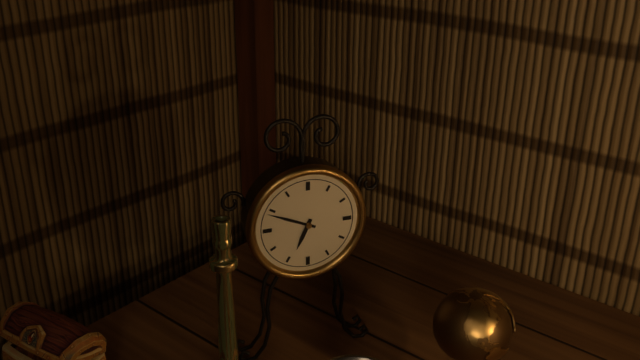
{"hour": 6, "minute": 49}
